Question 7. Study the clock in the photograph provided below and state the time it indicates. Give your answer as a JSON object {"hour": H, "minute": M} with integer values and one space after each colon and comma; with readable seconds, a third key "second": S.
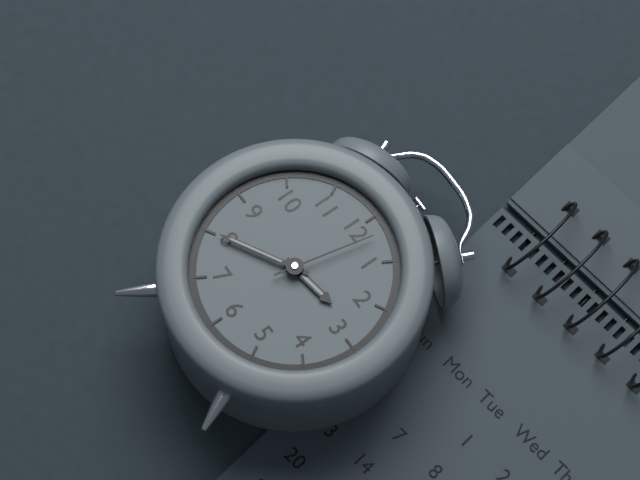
{"hour": 2, "minute": 40, "second": 2}
